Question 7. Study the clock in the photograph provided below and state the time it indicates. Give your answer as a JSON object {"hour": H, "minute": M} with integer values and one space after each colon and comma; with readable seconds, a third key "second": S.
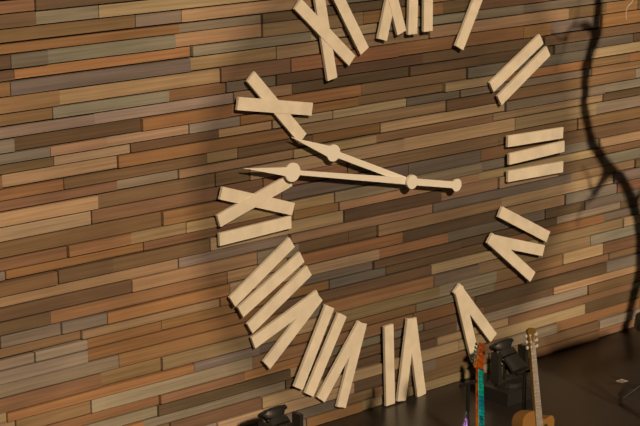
{"hour": 9, "minute": 47}
